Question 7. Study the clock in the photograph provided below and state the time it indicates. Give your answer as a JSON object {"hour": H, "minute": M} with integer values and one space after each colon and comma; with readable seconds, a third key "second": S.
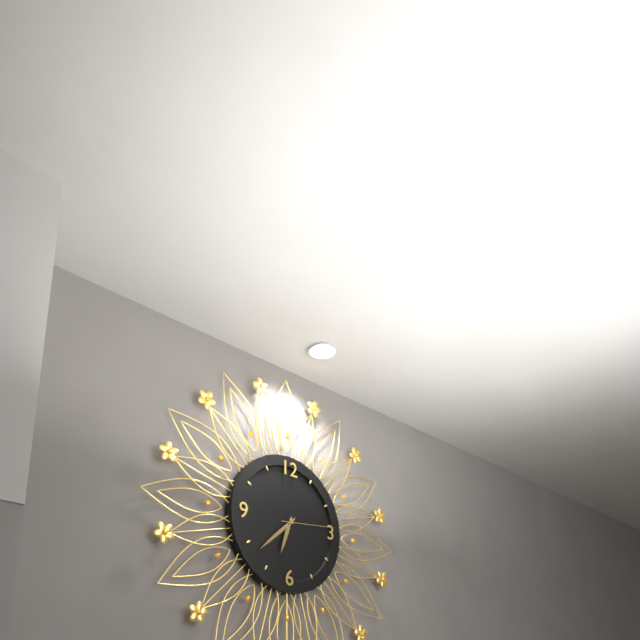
{"hour": 6, "minute": 38, "second": 14}
